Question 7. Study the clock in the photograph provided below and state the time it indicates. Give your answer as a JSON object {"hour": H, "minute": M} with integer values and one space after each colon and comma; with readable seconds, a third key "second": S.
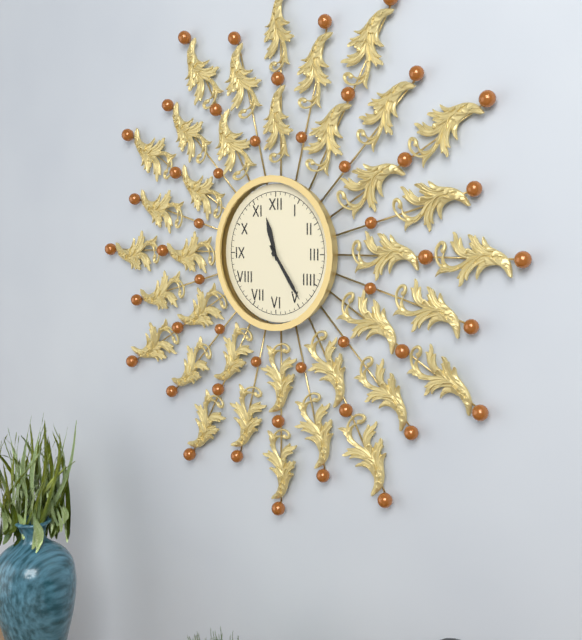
{"hour": 11, "minute": 24}
